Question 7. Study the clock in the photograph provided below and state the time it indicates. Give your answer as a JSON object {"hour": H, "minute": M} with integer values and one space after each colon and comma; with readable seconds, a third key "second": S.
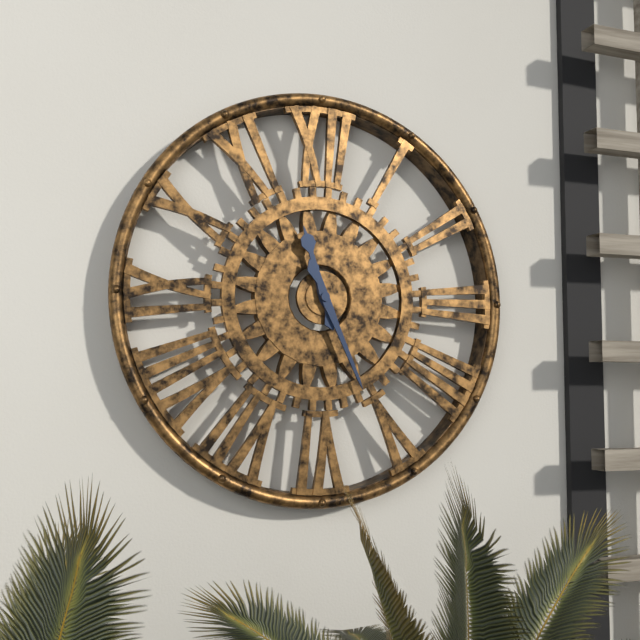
{"hour": 11, "minute": 26}
